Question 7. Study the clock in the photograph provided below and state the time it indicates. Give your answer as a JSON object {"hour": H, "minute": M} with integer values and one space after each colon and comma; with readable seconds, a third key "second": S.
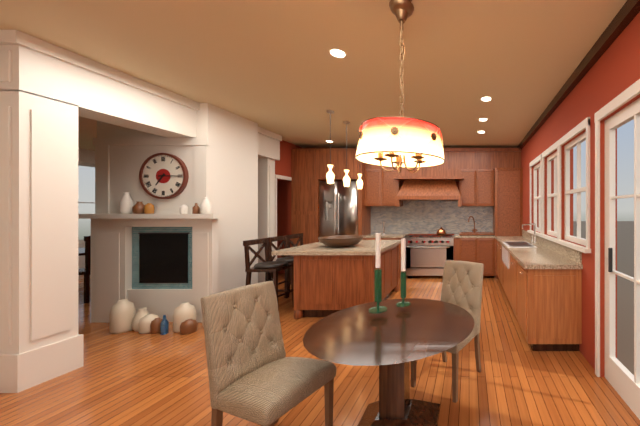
{"hour": 7, "minute": 15}
